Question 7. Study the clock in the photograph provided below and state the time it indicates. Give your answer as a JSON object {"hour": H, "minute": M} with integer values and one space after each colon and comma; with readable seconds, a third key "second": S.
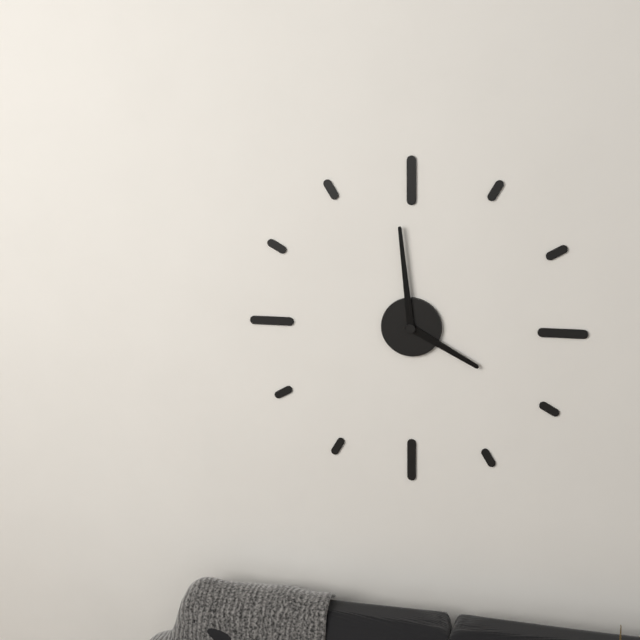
{"hour": 3, "minute": 59}
